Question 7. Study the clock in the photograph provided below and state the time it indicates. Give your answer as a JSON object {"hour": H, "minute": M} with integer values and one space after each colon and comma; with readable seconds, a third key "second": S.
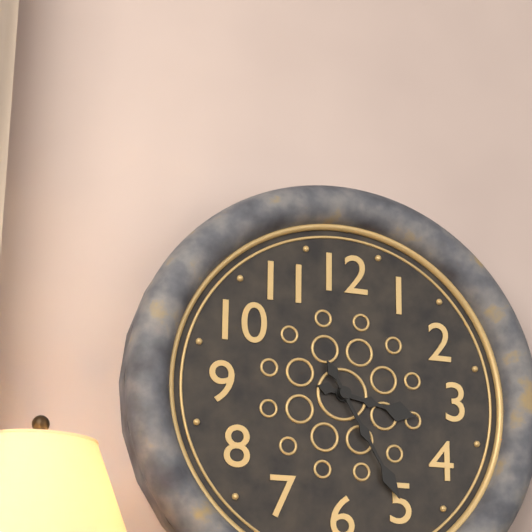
{"hour": 3, "minute": 25}
